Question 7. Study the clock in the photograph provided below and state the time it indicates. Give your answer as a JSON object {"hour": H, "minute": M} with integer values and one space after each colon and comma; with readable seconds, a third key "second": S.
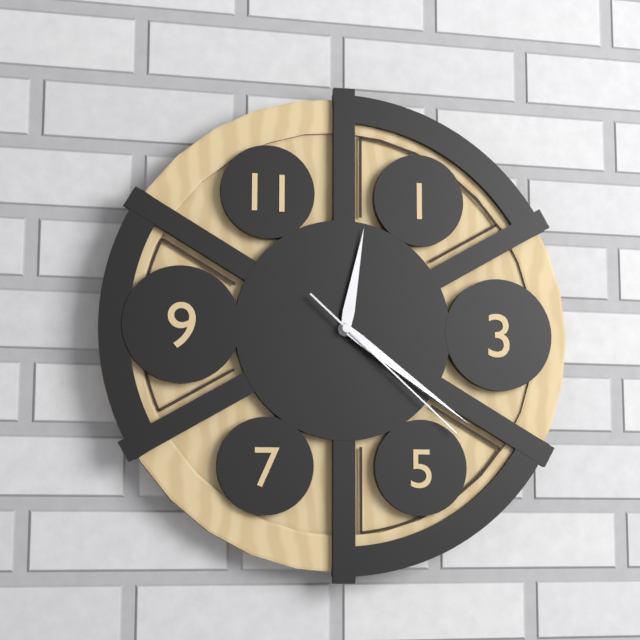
{"hour": 12, "minute": 21, "second": 22}
